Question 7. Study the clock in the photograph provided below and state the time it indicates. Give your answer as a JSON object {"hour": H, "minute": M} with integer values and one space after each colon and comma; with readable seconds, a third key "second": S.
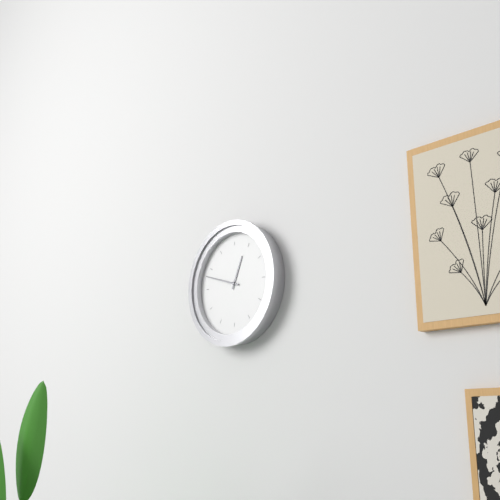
{"hour": 12, "minute": 48}
